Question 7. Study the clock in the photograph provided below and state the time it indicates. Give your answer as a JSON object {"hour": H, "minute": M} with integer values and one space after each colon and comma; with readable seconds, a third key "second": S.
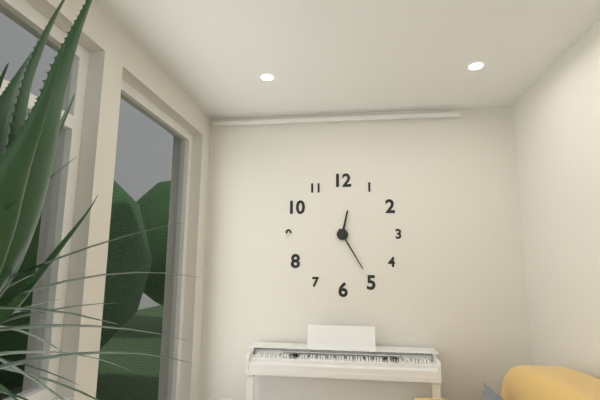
{"hour": 12, "minute": 25}
